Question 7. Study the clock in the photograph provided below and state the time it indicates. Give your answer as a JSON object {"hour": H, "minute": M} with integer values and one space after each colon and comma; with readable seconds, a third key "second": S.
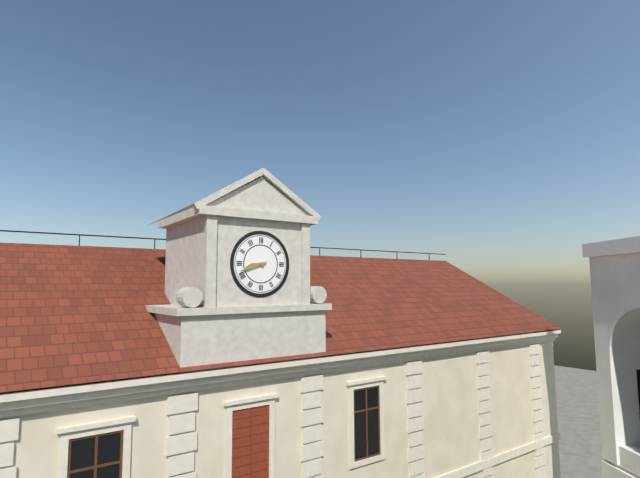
{"hour": 8, "minute": 42}
